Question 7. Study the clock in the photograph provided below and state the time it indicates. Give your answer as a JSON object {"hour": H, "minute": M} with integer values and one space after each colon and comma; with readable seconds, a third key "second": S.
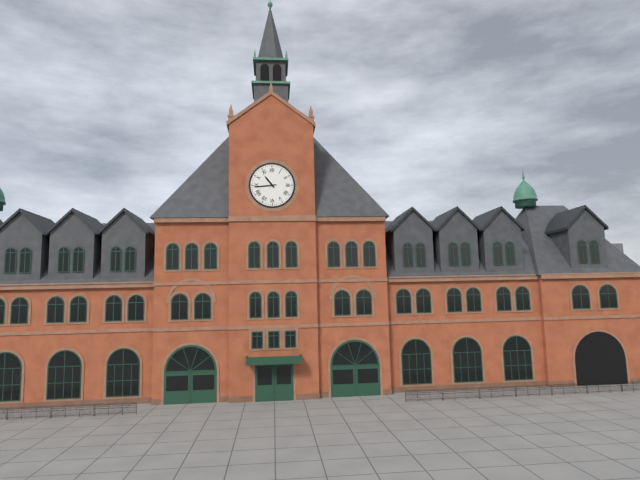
{"hour": 10, "minute": 44}
